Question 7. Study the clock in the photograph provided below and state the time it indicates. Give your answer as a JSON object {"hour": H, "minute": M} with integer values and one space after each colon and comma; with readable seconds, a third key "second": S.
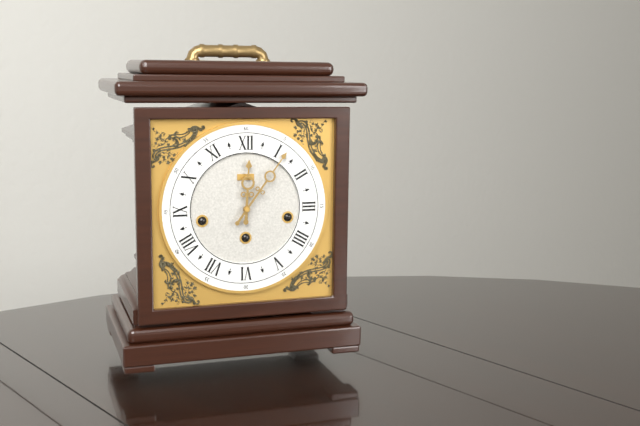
{"hour": 12, "minute": 6}
